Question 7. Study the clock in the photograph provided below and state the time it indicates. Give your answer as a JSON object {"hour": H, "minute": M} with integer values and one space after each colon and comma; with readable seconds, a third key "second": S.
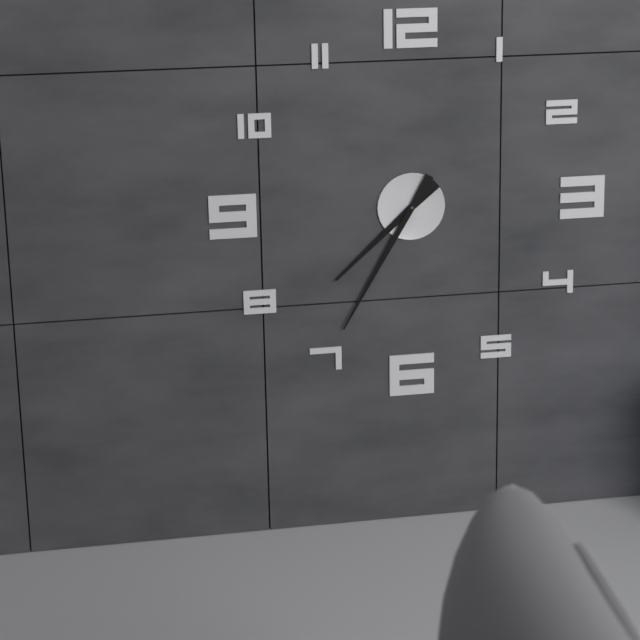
{"hour": 7, "minute": 35}
